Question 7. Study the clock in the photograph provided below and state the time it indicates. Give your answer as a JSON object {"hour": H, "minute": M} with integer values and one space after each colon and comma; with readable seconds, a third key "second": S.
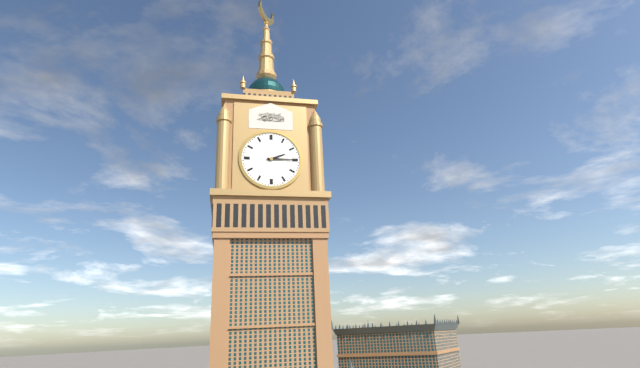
{"hour": 2, "minute": 15}
